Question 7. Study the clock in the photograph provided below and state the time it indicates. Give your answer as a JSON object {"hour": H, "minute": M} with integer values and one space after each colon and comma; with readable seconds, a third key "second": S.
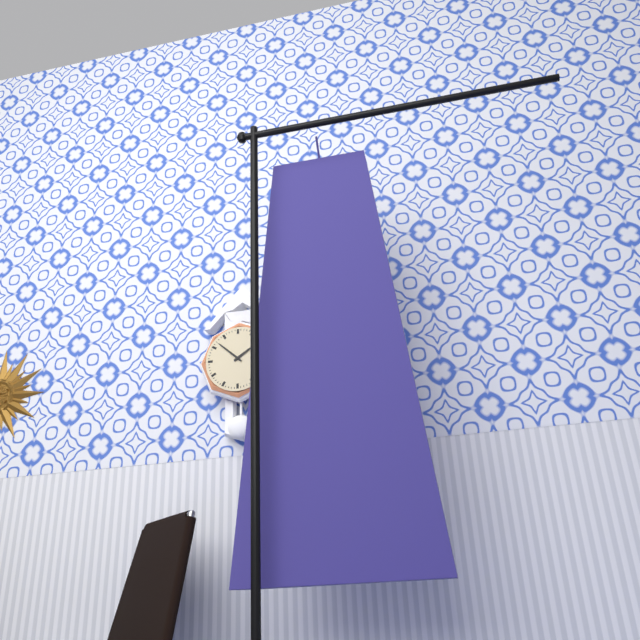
{"hour": 1, "minute": 52}
